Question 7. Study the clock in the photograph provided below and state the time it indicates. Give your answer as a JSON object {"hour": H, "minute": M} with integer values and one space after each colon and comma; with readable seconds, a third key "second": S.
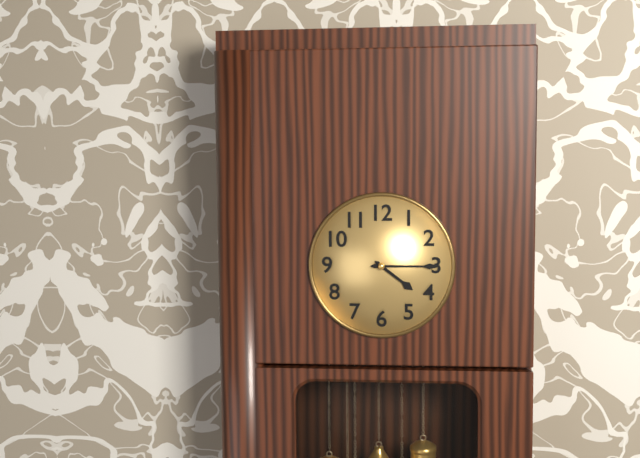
{"hour": 4, "minute": 15}
